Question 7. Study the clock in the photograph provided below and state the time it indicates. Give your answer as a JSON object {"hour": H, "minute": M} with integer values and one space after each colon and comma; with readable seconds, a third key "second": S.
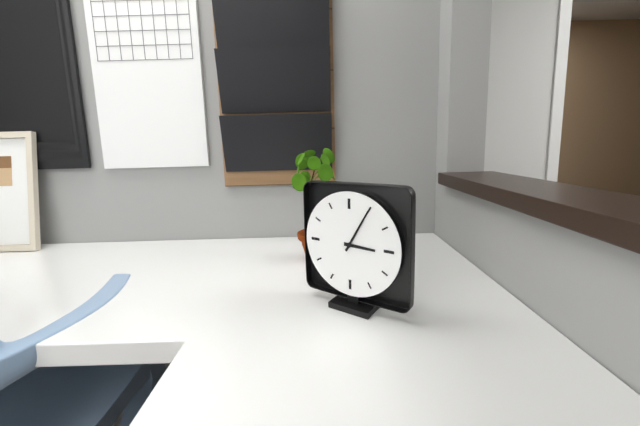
{"hour": 3, "minute": 5}
